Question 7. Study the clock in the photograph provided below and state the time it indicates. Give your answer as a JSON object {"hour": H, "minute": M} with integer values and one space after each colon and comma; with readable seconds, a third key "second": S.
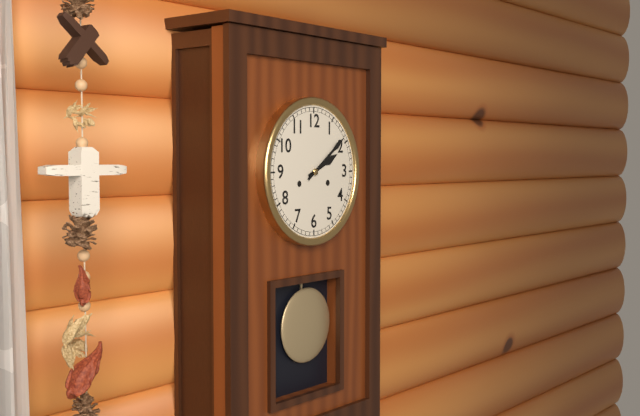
{"hour": 2, "minute": 9}
